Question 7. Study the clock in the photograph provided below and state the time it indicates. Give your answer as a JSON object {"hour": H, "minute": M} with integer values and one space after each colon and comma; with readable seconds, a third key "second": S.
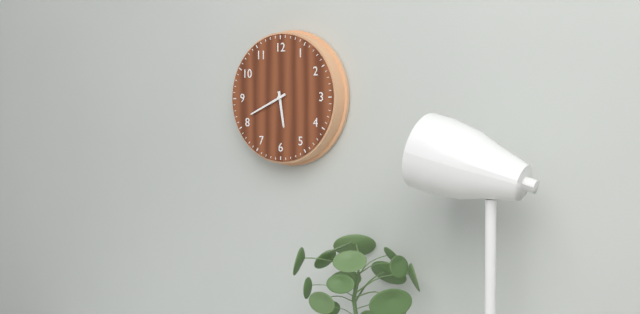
{"hour": 5, "minute": 41}
